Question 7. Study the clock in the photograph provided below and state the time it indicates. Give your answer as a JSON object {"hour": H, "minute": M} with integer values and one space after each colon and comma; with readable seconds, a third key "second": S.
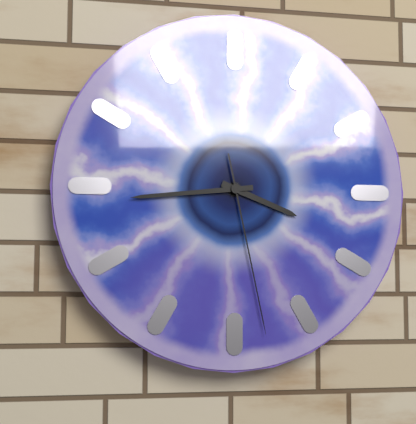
{"hour": 3, "minute": 44, "second": 28}
